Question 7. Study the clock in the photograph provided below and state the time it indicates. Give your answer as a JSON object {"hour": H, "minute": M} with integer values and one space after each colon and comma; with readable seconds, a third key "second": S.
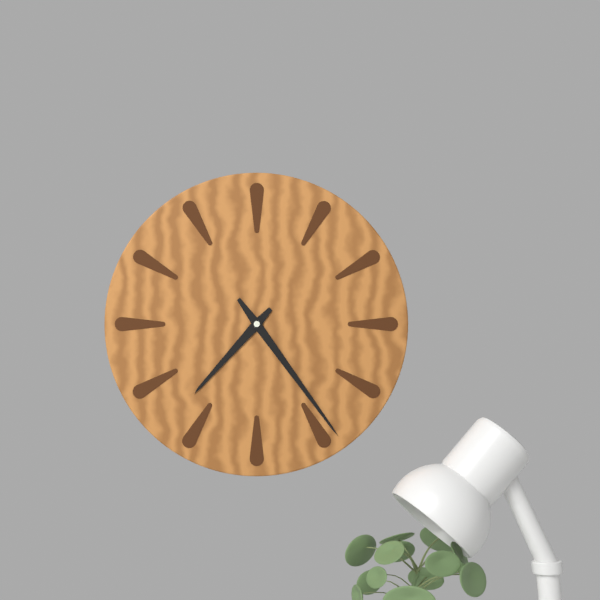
{"hour": 7, "minute": 24}
